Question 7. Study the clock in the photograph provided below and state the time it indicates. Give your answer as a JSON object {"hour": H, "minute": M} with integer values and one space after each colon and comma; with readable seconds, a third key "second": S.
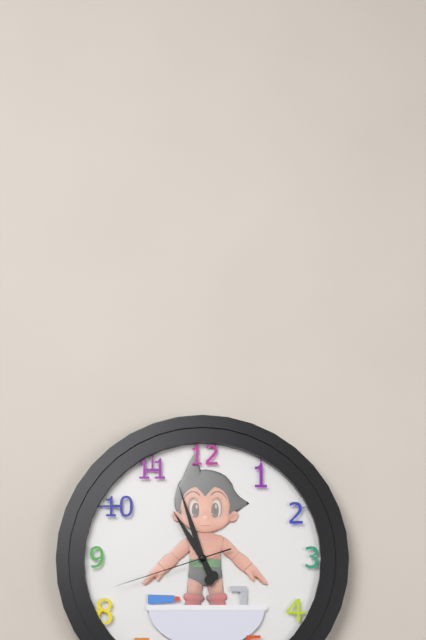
{"hour": 10, "minute": 57, "second": 42}
